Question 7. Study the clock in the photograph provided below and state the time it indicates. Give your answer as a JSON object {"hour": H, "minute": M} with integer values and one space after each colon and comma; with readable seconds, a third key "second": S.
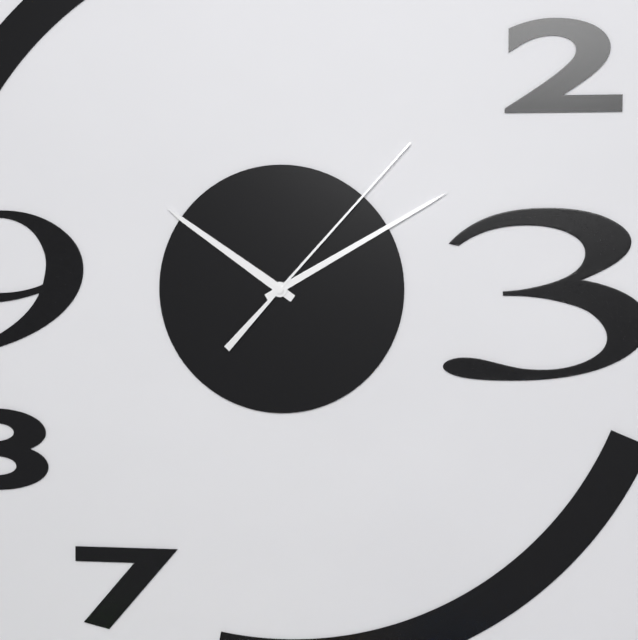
{"hour": 10, "minute": 10, "second": 7}
